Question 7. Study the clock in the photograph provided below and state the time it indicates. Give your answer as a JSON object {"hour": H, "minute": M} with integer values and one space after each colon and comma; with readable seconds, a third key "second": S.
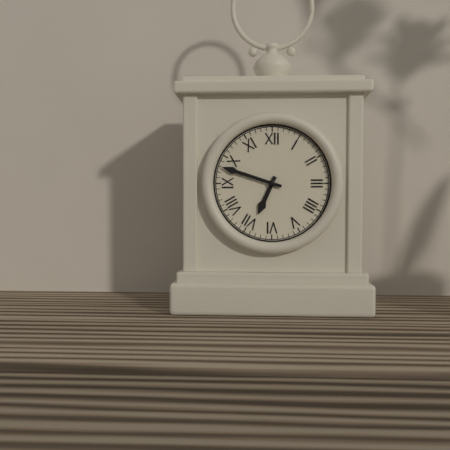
{"hour": 6, "minute": 48}
